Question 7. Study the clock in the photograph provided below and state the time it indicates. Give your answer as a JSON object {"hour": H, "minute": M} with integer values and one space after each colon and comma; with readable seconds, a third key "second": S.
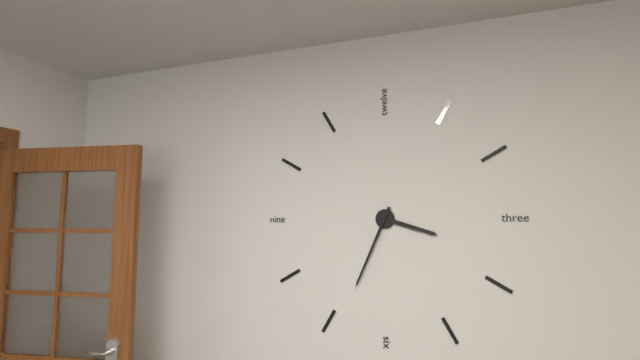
{"hour": 3, "minute": 34}
